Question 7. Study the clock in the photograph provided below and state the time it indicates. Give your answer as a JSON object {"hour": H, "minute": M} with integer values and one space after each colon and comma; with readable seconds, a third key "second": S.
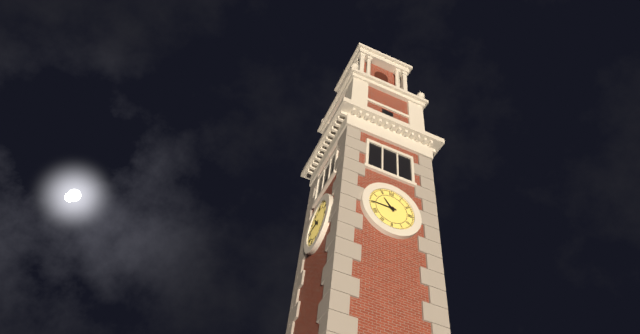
{"hour": 10, "minute": 45}
